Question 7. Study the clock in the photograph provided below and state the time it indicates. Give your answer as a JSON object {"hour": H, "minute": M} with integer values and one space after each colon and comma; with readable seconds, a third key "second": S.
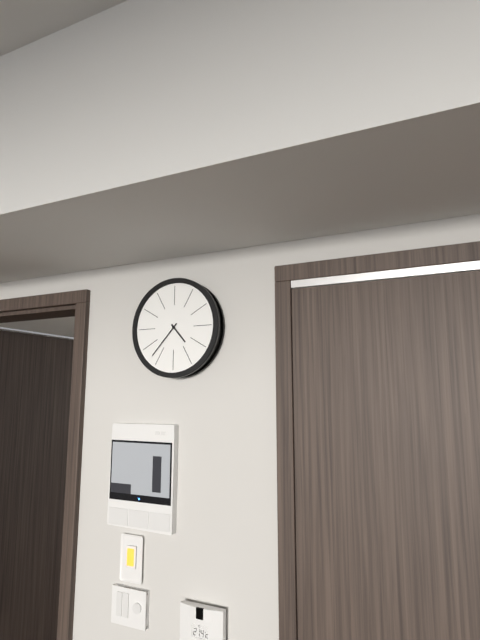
{"hour": 4, "minute": 37}
